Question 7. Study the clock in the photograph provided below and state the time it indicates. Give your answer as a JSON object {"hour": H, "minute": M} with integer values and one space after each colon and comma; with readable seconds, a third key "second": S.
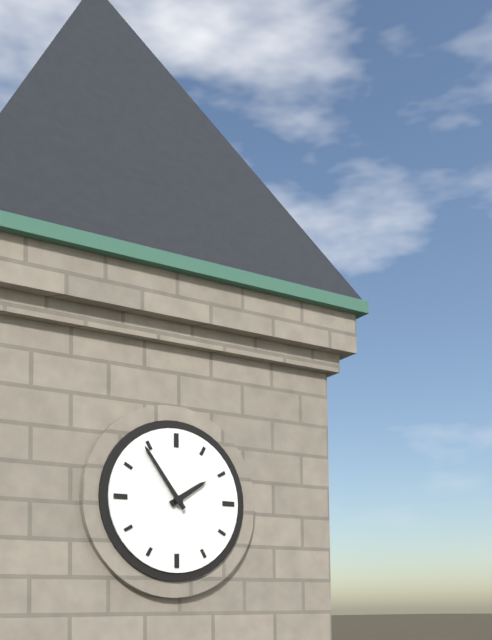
{"hour": 1, "minute": 54}
